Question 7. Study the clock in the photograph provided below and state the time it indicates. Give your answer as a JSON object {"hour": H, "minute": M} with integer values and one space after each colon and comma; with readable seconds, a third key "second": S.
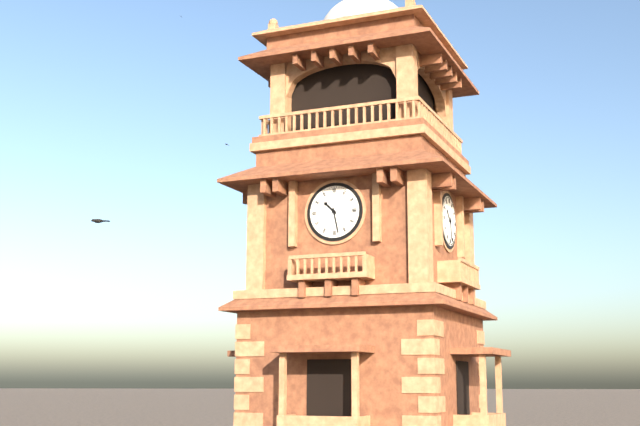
{"hour": 10, "minute": 28}
